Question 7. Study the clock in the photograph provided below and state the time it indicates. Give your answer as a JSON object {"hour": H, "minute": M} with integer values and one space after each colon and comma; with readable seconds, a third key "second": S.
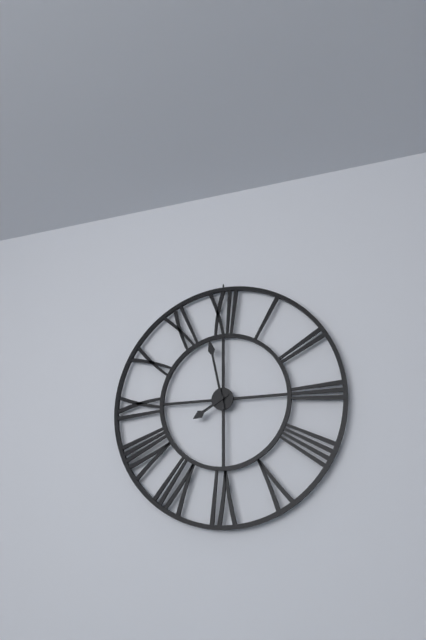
{"hour": 7, "minute": 58}
